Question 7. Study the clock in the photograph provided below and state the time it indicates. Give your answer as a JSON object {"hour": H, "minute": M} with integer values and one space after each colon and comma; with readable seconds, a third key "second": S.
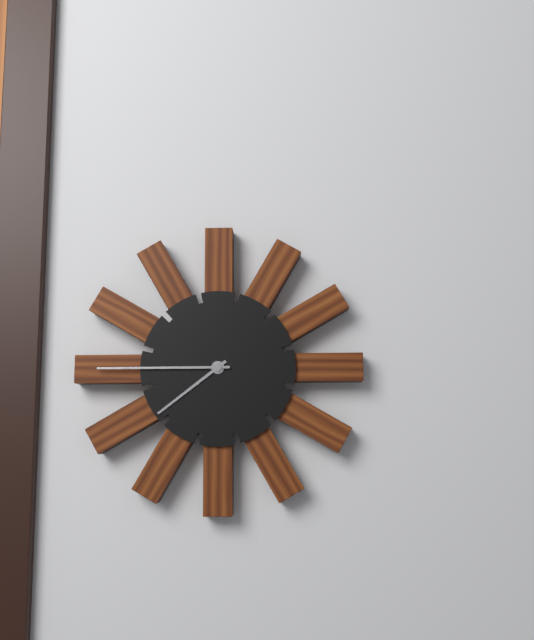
{"hour": 7, "minute": 45}
